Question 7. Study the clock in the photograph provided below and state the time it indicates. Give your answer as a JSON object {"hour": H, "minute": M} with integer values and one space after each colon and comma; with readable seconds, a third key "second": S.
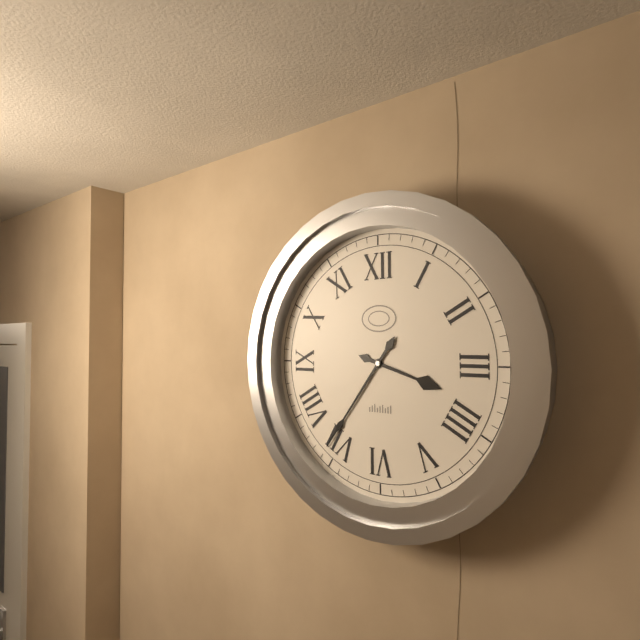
{"hour": 3, "minute": 36}
